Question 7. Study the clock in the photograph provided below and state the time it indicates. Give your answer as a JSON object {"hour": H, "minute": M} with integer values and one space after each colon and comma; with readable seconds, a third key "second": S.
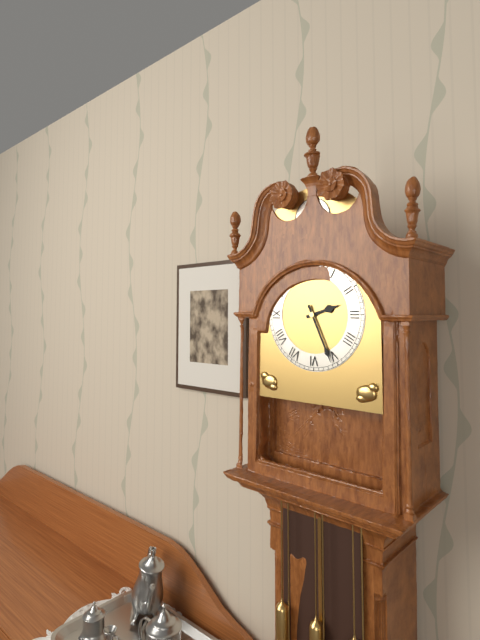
{"hour": 2, "minute": 26}
